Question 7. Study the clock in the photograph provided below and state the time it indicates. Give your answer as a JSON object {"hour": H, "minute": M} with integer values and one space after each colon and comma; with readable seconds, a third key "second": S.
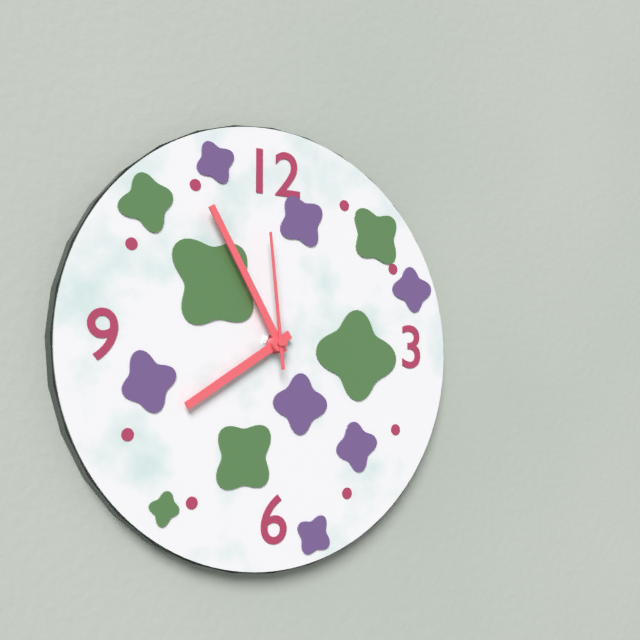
{"hour": 7, "minute": 55, "second": 59}
